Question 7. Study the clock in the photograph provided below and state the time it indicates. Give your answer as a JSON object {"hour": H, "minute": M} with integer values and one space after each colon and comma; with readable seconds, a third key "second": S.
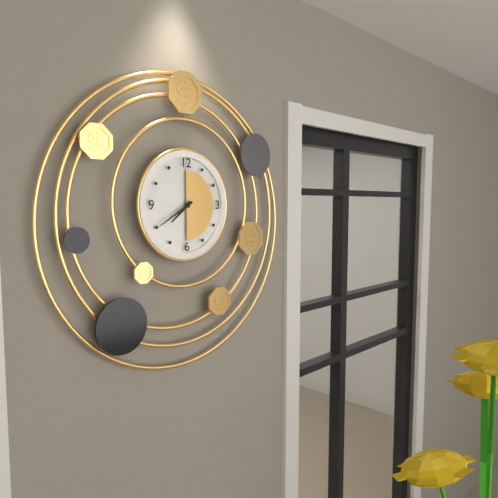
{"hour": 7, "minute": 40}
